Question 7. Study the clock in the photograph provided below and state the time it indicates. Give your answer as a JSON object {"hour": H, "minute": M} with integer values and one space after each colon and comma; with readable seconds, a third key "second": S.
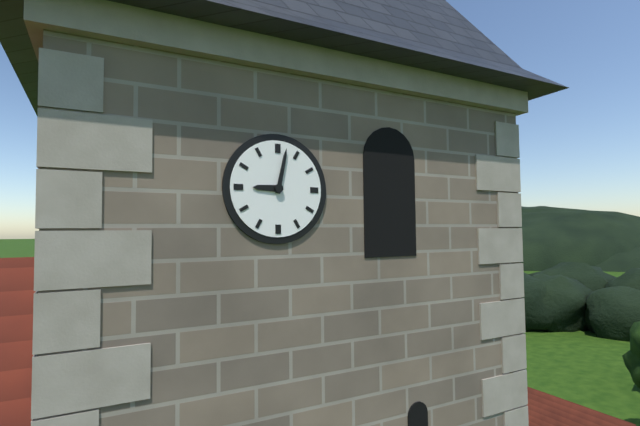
{"hour": 9, "minute": 2}
